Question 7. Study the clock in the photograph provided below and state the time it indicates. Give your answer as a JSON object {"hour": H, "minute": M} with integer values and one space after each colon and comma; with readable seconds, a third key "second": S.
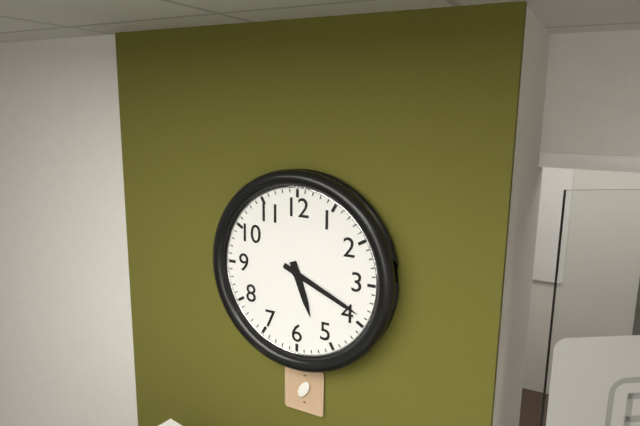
{"hour": 5, "minute": 19}
